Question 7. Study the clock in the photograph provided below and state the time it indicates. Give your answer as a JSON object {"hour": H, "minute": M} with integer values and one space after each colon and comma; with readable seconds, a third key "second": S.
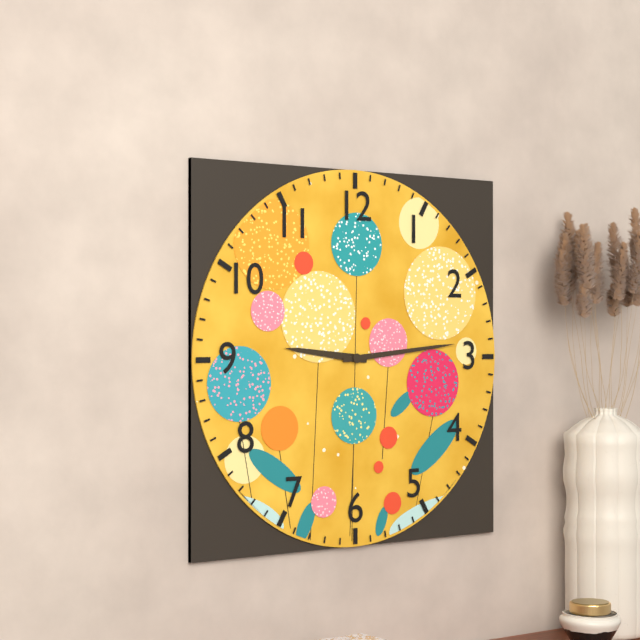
{"hour": 9, "minute": 14}
